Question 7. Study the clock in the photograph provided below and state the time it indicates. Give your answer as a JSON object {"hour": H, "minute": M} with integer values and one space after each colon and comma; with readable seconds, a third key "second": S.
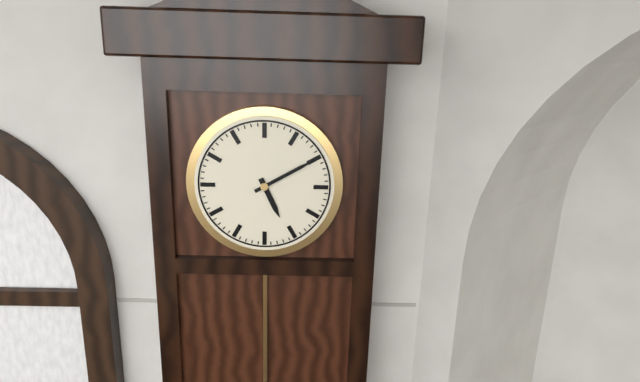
{"hour": 5, "minute": 10}
